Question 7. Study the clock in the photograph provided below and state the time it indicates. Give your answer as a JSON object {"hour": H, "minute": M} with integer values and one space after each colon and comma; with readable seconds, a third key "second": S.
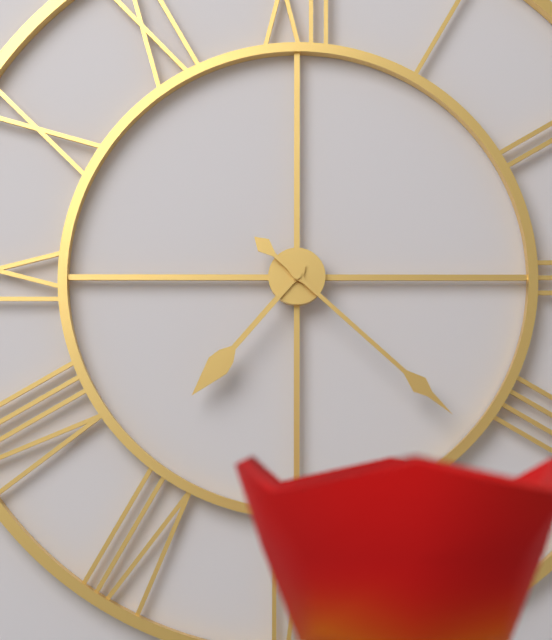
{"hour": 7, "minute": 22}
